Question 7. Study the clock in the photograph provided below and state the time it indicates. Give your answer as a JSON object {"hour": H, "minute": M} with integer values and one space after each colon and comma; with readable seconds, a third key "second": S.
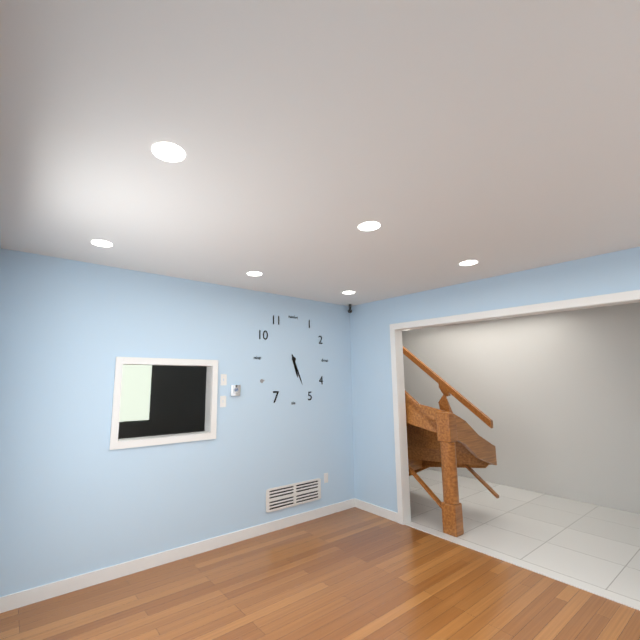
{"hour": 5, "minute": 26}
